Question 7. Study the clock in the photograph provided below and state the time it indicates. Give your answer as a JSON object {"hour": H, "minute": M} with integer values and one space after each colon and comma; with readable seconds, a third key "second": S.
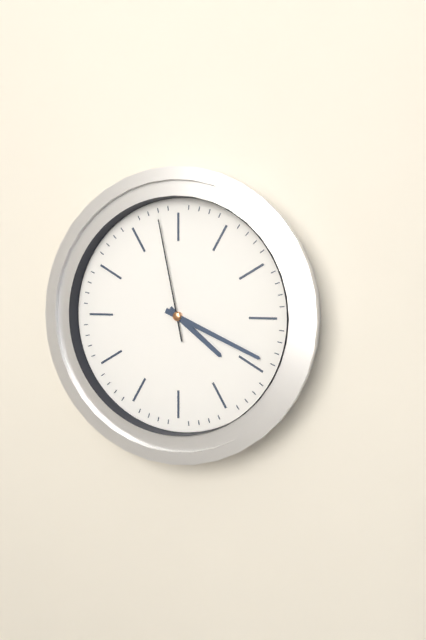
{"hour": 4, "minute": 19, "second": 58}
